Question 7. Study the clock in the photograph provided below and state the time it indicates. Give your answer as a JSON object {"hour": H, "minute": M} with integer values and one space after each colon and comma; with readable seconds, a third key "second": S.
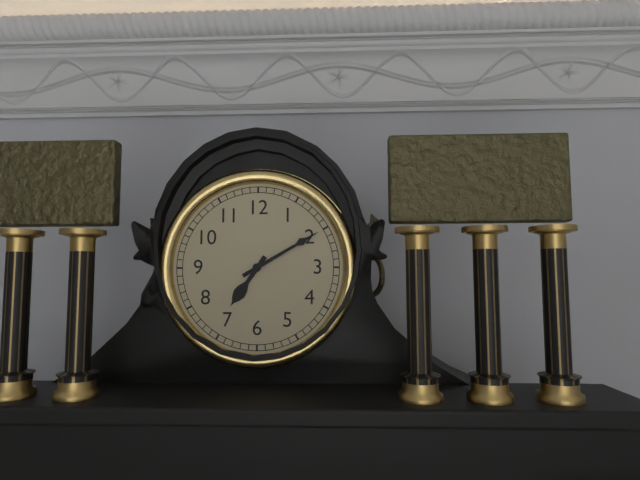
{"hour": 7, "minute": 10}
